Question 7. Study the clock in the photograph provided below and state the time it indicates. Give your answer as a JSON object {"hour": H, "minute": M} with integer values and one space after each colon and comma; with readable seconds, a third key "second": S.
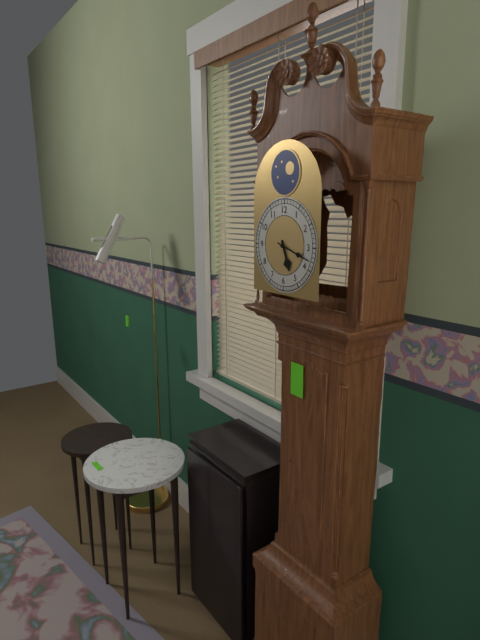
{"hour": 5, "minute": 18}
